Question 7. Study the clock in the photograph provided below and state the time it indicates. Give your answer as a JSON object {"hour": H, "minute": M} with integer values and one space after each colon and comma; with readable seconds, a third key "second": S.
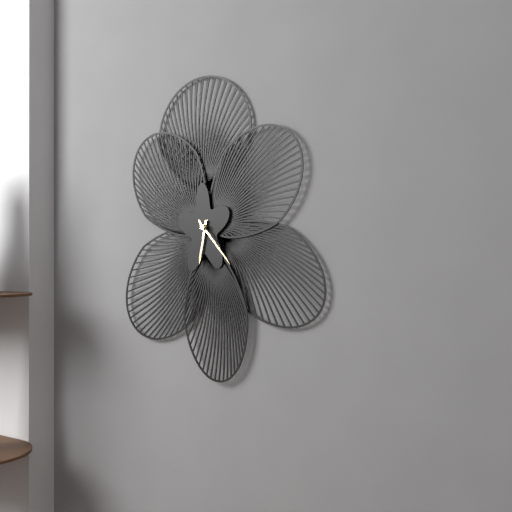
{"hour": 6, "minute": 23}
